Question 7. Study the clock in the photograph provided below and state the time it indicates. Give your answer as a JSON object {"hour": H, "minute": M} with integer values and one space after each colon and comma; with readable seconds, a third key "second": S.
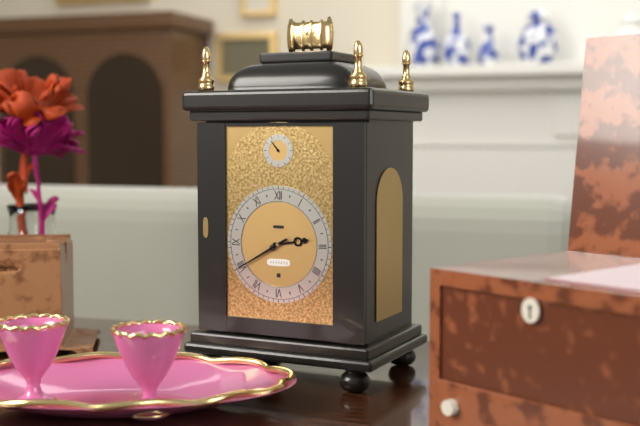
{"hour": 2, "minute": 40}
